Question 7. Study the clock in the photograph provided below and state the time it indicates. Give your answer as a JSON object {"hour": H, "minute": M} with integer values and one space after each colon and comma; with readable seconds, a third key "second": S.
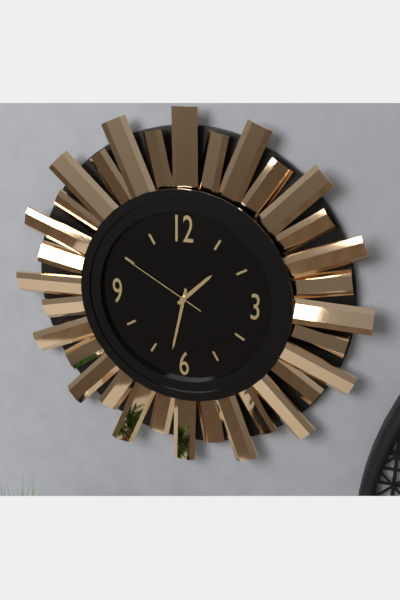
{"hour": 1, "minute": 32, "second": 50}
